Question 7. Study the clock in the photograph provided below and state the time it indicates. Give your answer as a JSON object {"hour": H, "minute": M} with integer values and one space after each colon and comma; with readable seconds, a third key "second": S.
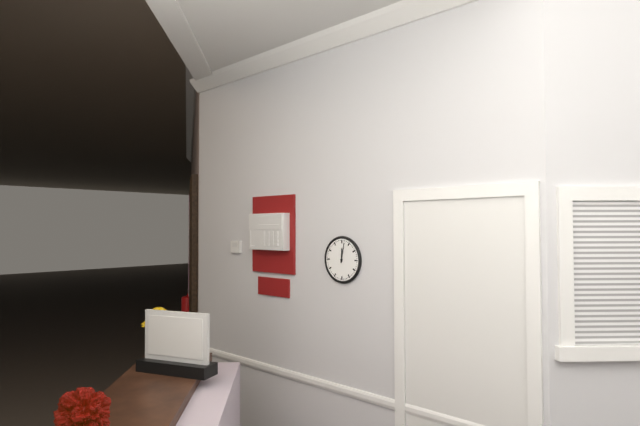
{"hour": 12, "minute": 2}
